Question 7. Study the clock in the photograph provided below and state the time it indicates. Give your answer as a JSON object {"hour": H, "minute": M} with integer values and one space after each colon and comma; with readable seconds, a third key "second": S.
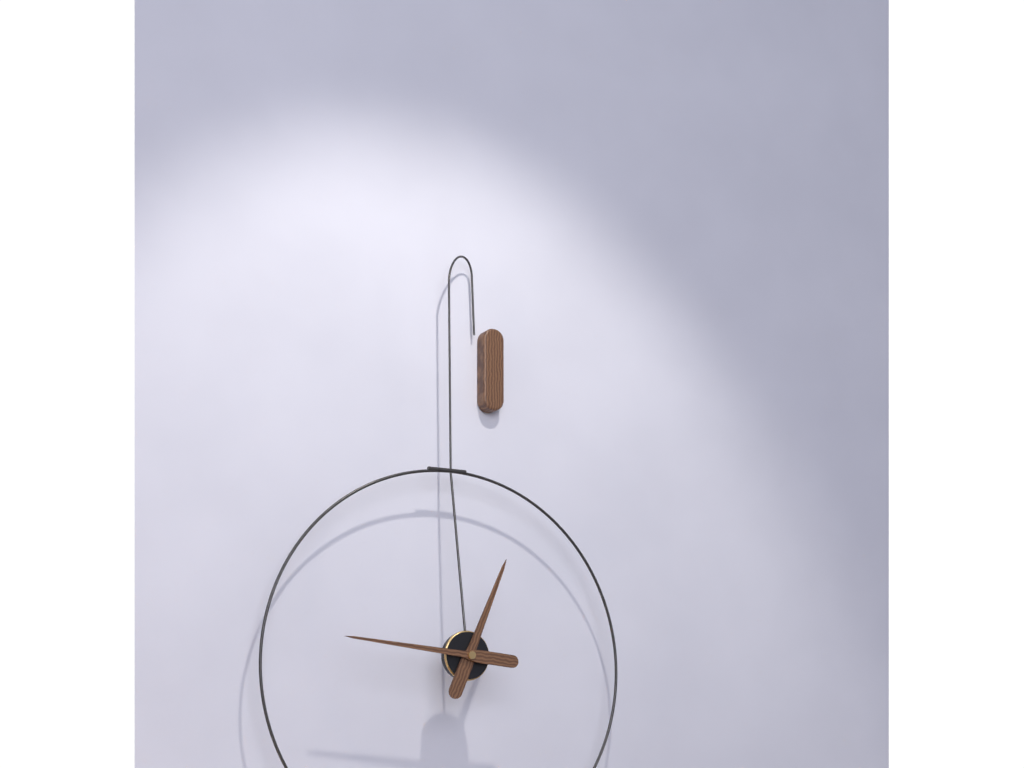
{"hour": 12, "minute": 46}
